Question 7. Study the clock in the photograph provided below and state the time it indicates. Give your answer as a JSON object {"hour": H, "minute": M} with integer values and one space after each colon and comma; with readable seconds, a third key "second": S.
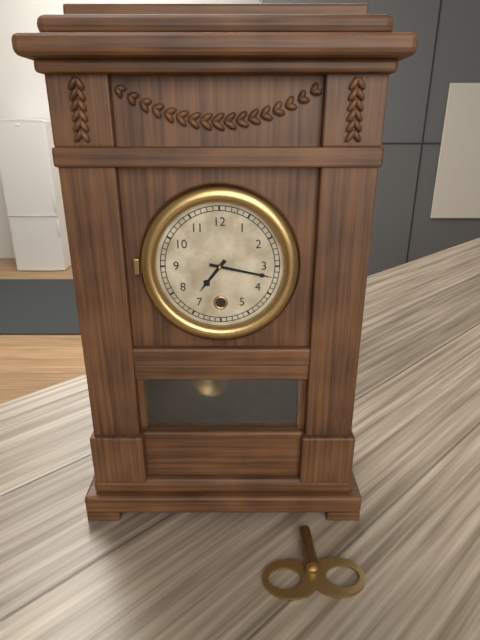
{"hour": 7, "minute": 17}
